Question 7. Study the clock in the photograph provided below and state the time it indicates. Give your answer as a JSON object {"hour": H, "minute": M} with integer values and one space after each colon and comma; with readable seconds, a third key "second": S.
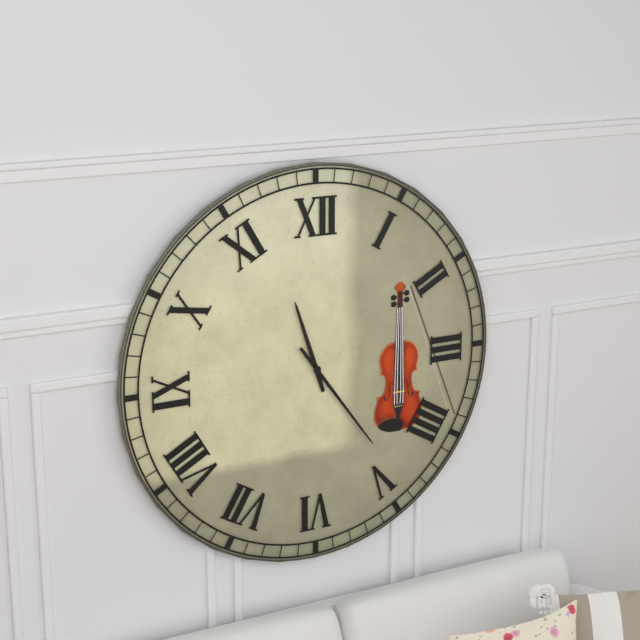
{"hour": 11, "minute": 24}
